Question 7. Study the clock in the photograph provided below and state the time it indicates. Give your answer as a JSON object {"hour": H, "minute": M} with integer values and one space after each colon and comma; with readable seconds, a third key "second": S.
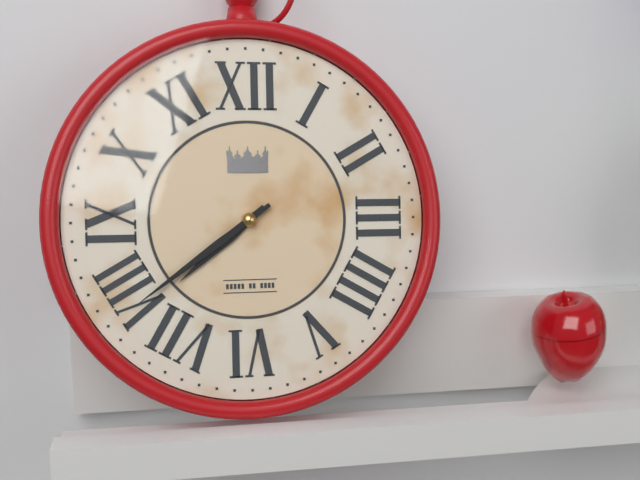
{"hour": 7, "minute": 39}
